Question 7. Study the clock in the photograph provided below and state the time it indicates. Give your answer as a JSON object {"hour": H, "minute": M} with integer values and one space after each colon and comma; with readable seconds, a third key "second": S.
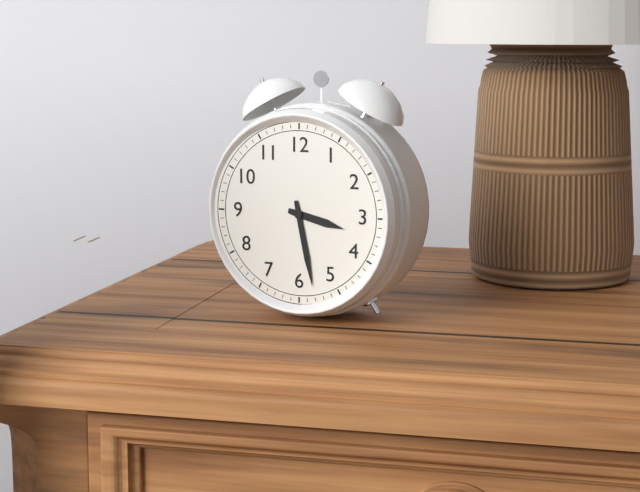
{"hour": 3, "minute": 28}
